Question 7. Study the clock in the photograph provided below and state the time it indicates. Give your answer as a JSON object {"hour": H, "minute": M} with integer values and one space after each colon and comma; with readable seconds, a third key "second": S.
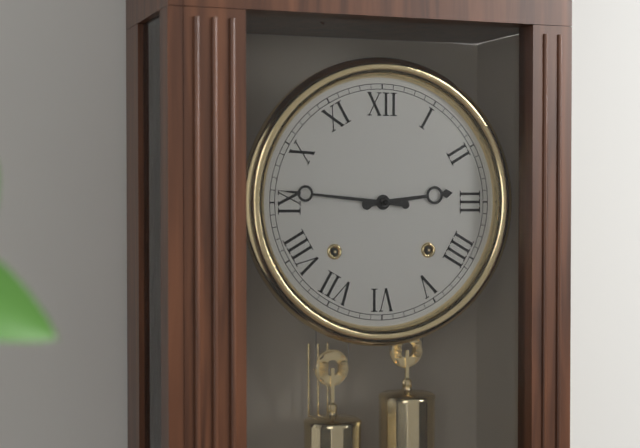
{"hour": 2, "minute": 46}
